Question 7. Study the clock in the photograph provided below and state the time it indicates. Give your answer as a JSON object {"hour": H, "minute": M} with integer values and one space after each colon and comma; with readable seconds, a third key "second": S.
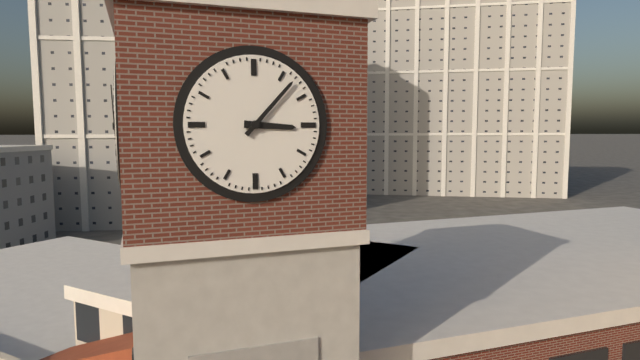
{"hour": 3, "minute": 7}
